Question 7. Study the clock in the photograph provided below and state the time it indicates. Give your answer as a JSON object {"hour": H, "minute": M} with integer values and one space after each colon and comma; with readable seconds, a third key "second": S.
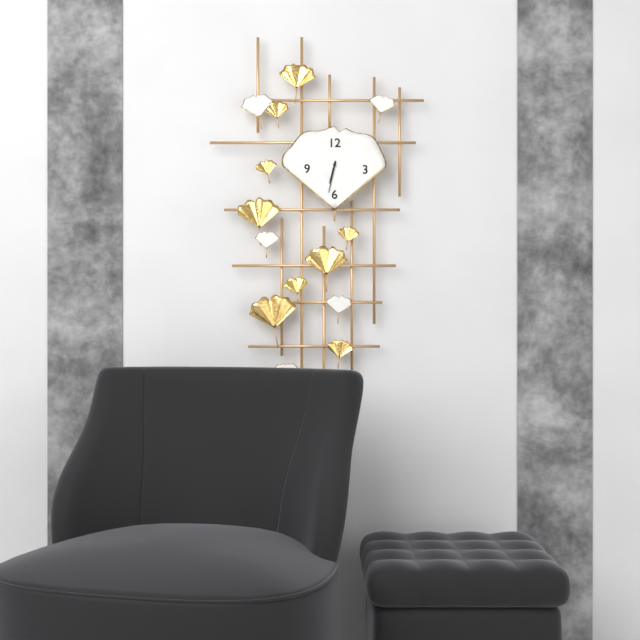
{"hour": 6, "minute": 32}
